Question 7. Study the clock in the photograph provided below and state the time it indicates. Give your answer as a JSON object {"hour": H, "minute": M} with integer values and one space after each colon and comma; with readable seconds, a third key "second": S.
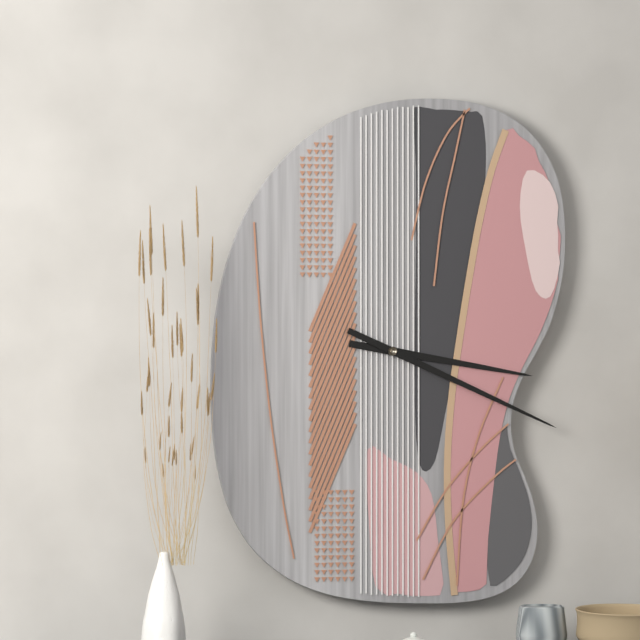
{"hour": 3, "minute": 19}
